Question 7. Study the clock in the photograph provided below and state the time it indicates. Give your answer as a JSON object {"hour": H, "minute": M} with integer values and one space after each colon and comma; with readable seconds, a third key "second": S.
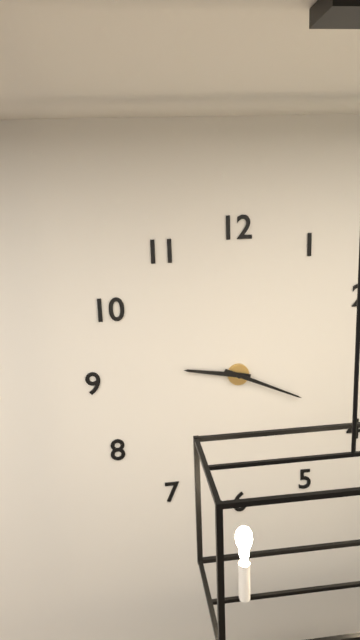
{"hour": 9, "minute": 19}
